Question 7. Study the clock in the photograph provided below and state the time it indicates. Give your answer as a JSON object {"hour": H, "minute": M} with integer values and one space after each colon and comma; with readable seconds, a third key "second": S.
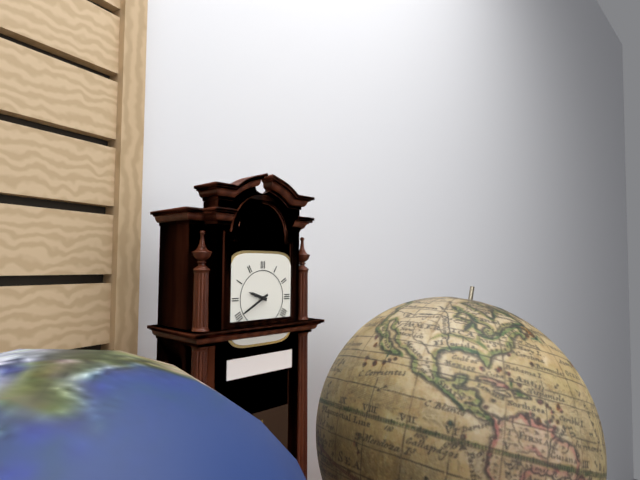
{"hour": 9, "minute": 40}
